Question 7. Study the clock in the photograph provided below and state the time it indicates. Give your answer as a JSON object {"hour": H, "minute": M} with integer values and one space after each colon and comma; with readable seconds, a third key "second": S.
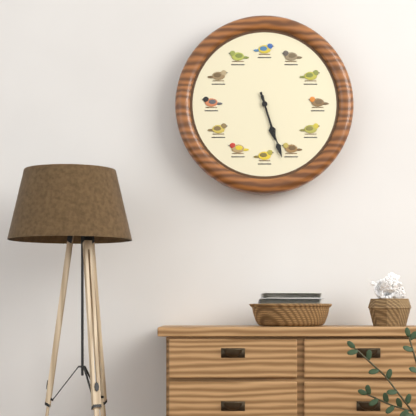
{"hour": 5, "minute": 27}
